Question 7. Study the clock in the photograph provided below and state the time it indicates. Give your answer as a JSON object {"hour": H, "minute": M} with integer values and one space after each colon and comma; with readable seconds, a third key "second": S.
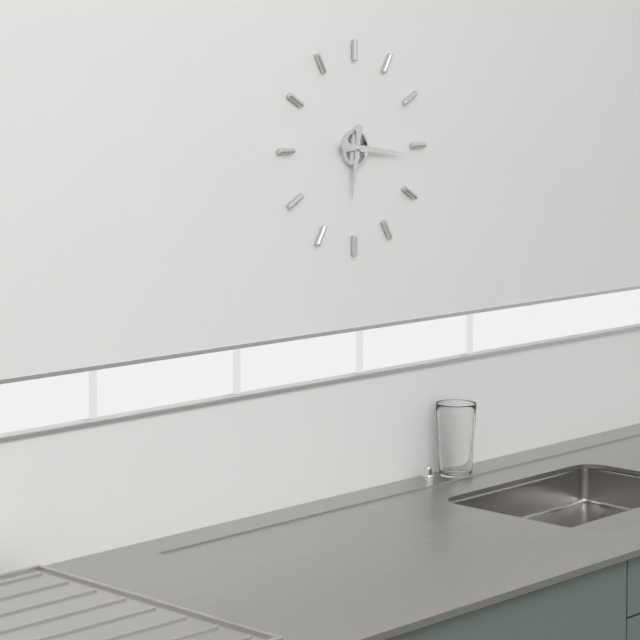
{"hour": 6, "minute": 16}
